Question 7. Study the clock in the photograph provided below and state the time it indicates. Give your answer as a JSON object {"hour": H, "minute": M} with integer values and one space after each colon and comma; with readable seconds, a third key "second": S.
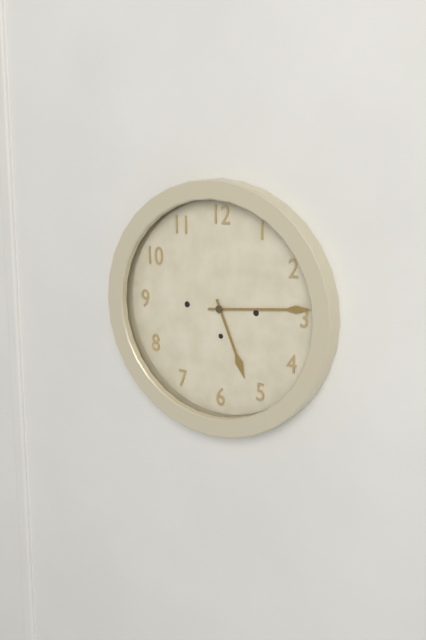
{"hour": 5, "minute": 14}
